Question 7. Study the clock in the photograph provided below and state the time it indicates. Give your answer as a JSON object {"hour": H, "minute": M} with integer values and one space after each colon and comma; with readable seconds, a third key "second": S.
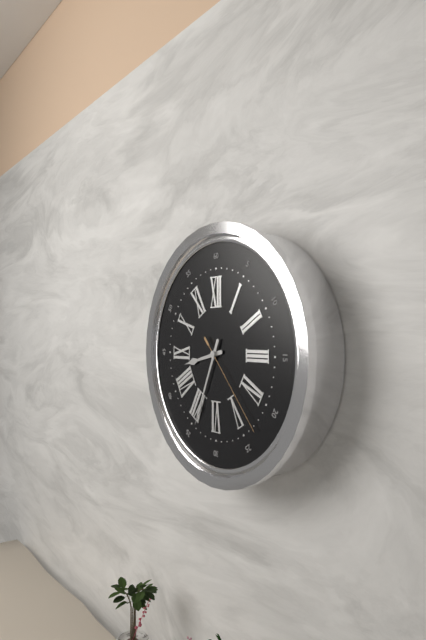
{"hour": 8, "minute": 34, "second": 23}
